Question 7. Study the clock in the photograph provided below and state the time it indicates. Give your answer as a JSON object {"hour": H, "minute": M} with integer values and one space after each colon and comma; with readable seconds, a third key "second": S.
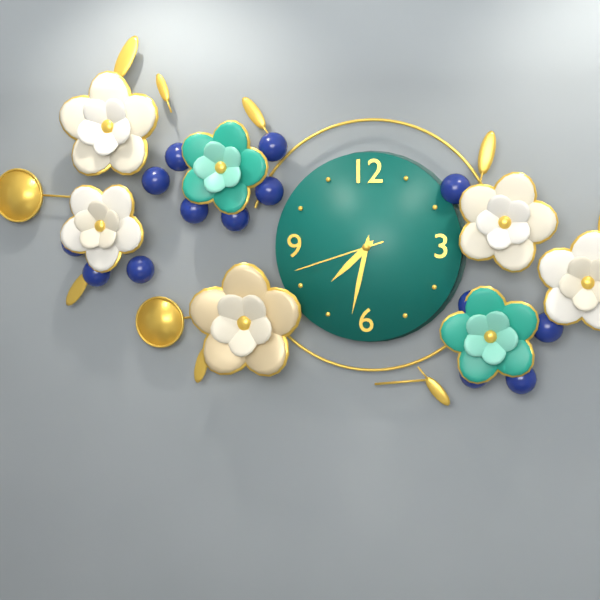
{"hour": 7, "minute": 32, "second": 42}
